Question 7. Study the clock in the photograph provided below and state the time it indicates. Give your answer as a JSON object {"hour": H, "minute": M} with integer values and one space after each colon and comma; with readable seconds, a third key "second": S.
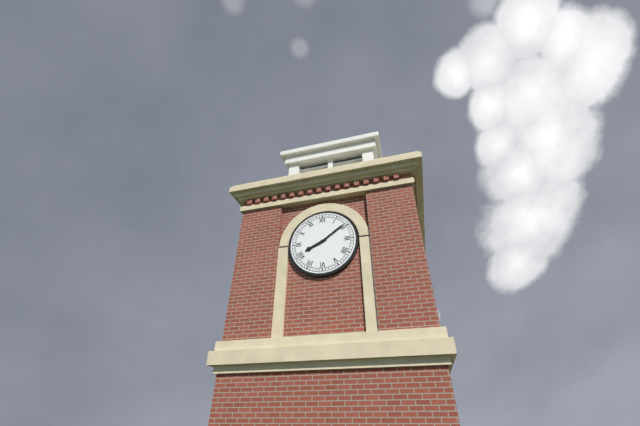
{"hour": 8, "minute": 9}
